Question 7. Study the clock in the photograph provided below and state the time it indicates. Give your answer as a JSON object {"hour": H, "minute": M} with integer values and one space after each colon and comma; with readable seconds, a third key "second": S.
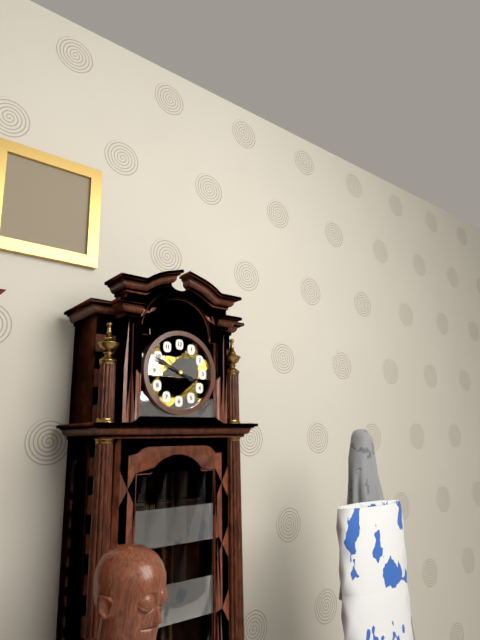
{"hour": 3, "minute": 49}
